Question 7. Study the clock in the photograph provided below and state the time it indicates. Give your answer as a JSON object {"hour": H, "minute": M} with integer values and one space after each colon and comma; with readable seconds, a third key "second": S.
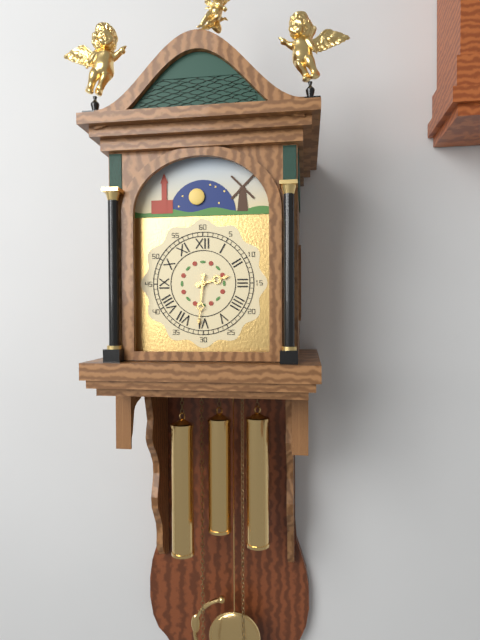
{"hour": 2, "minute": 31}
